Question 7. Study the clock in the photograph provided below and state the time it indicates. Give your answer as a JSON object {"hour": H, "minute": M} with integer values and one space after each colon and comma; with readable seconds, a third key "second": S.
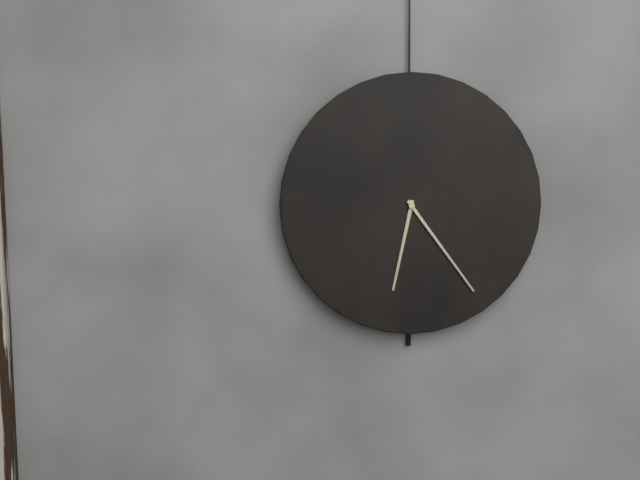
{"hour": 6, "minute": 24}
